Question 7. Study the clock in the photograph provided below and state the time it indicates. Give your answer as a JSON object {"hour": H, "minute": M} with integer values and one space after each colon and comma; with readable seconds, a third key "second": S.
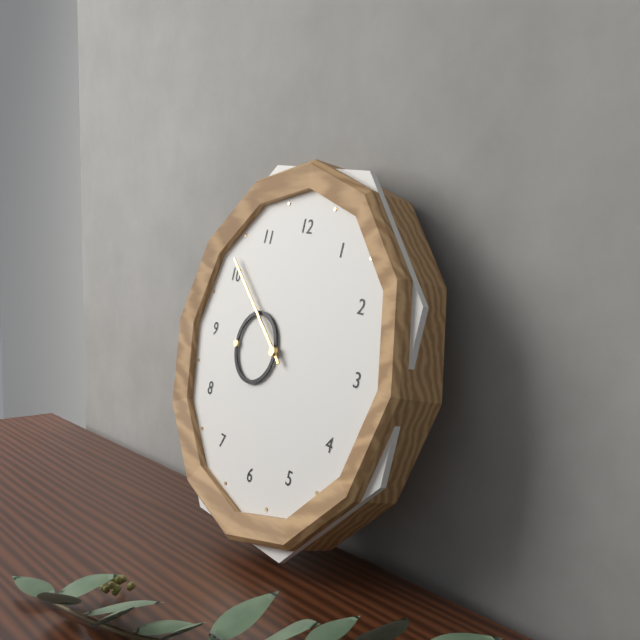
{"hour": 8, "minute": 51}
